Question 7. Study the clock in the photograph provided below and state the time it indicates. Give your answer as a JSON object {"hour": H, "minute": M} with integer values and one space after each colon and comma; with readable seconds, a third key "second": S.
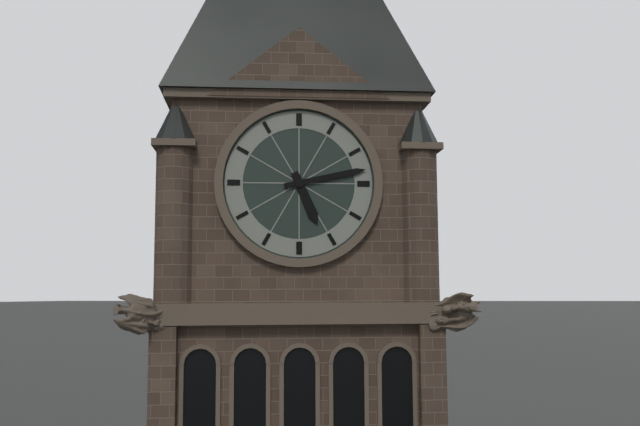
{"hour": 5, "minute": 13}
